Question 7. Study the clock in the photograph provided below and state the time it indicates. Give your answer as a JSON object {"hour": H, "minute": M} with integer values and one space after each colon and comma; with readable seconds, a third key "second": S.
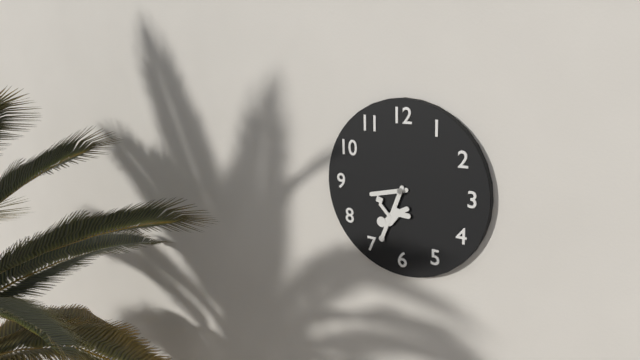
{"hour": 8, "minute": 33}
